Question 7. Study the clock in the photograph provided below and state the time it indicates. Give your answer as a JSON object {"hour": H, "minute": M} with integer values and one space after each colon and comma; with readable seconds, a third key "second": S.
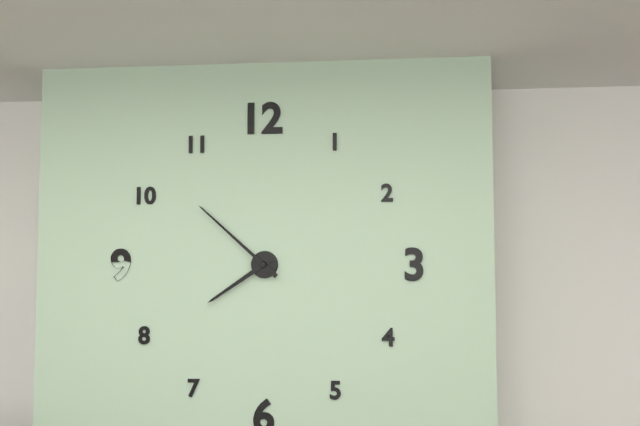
{"hour": 7, "minute": 52}
